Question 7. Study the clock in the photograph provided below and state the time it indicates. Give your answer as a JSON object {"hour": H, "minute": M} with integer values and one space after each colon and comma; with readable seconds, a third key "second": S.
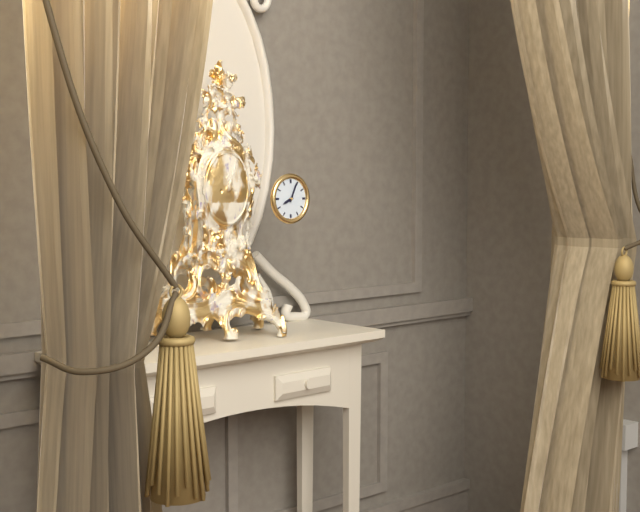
{"hour": 8, "minute": 4}
